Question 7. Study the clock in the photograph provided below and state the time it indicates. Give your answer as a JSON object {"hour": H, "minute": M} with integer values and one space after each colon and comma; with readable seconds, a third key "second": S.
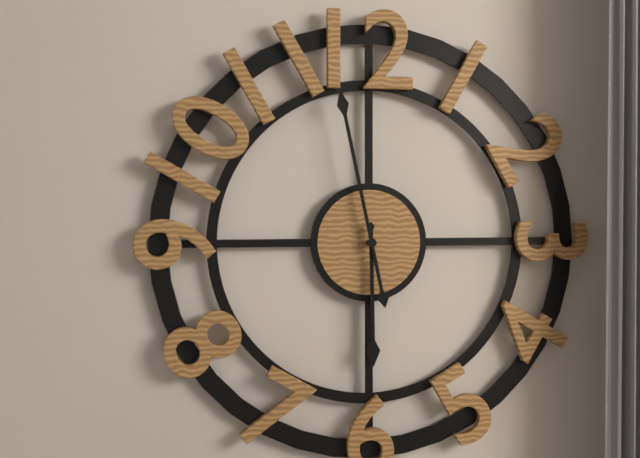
{"hour": 5, "minute": 58}
